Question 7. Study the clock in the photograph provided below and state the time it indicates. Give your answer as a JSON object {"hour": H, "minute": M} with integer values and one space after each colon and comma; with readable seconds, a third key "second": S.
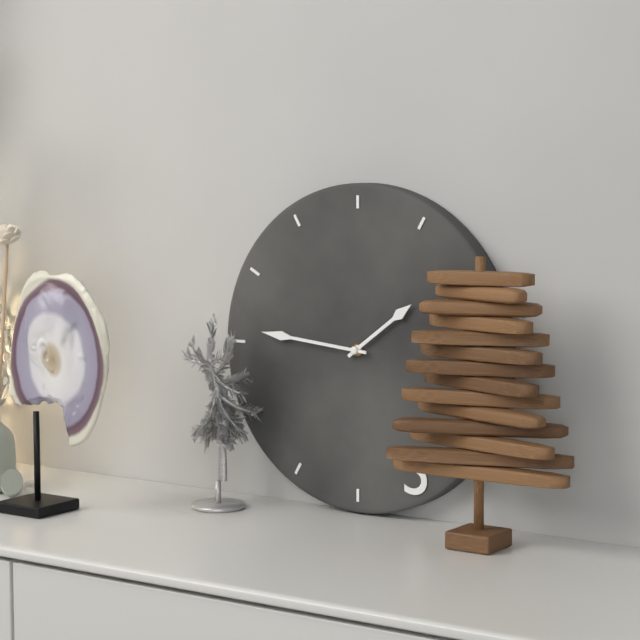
{"hour": 1, "minute": 46}
